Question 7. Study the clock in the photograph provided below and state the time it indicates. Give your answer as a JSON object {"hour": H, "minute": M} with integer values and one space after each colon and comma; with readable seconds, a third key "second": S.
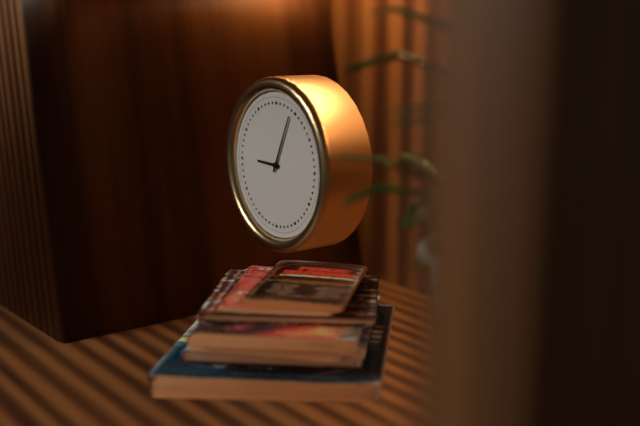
{"hour": 9, "minute": 4}
